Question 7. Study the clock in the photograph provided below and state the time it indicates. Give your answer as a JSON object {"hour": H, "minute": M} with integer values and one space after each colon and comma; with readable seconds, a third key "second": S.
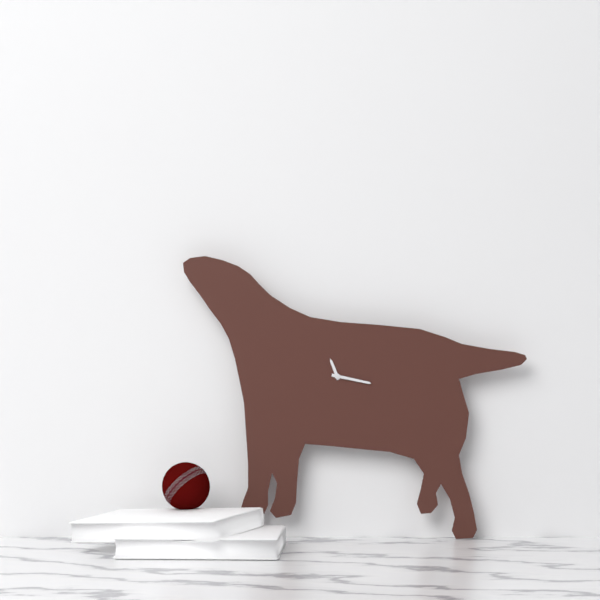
{"hour": 11, "minute": 17}
